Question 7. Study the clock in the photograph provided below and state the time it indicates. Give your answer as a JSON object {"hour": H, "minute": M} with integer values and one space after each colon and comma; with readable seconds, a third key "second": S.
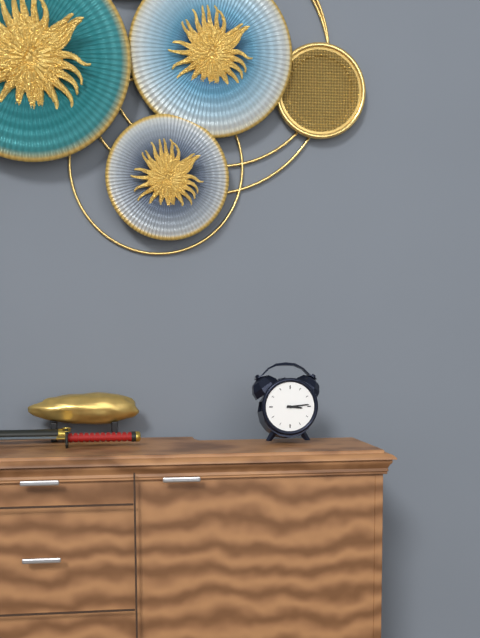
{"hour": 3, "minute": 14}
